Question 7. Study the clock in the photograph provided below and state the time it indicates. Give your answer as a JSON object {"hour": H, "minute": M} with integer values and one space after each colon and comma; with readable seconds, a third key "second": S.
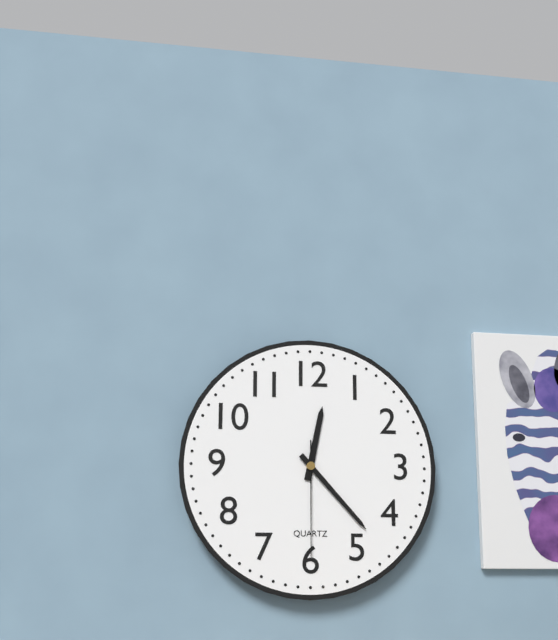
{"hour": 12, "minute": 23, "second": 30}
